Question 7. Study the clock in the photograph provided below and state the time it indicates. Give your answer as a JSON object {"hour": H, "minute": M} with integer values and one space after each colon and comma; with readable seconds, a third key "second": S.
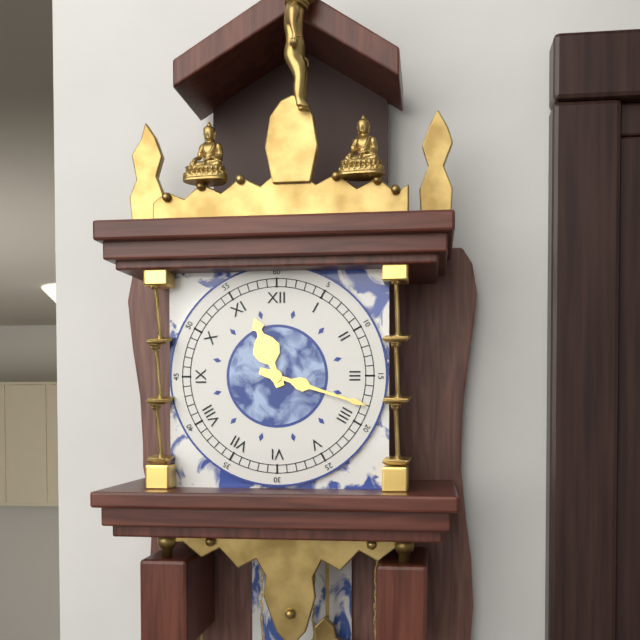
{"hour": 11, "minute": 18}
